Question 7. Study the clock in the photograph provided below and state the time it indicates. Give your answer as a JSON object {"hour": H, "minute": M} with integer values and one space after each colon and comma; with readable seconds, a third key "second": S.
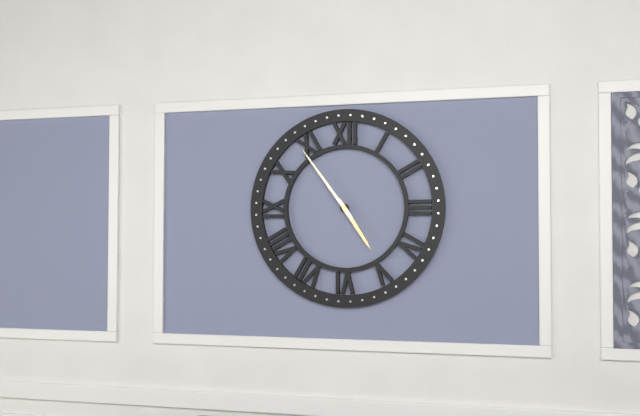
{"hour": 4, "minute": 54}
